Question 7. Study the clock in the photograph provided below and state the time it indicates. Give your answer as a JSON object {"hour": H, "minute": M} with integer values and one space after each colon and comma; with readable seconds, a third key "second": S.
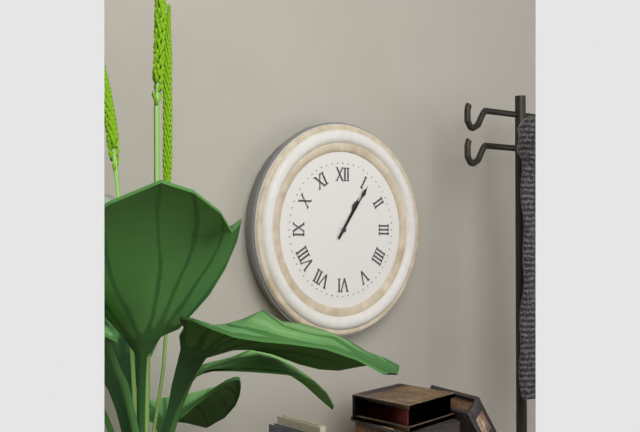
{"hour": 1, "minute": 6}
